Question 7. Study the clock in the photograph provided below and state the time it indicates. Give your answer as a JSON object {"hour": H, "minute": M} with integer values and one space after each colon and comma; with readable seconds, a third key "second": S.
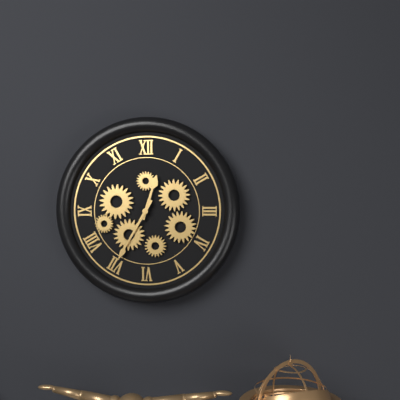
{"hour": 12, "minute": 35}
